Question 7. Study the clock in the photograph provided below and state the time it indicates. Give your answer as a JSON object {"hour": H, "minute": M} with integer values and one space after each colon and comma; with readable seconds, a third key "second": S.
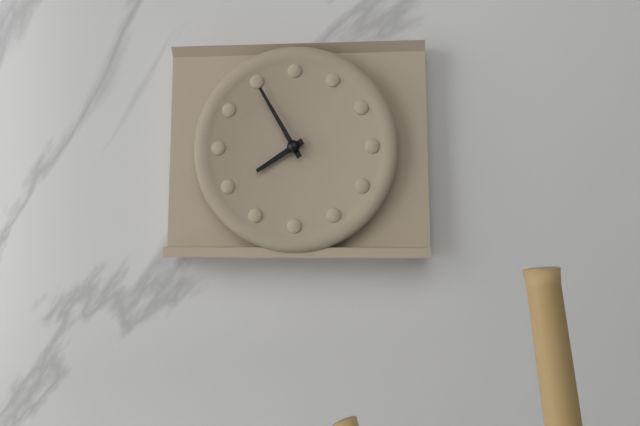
{"hour": 7, "minute": 55}
